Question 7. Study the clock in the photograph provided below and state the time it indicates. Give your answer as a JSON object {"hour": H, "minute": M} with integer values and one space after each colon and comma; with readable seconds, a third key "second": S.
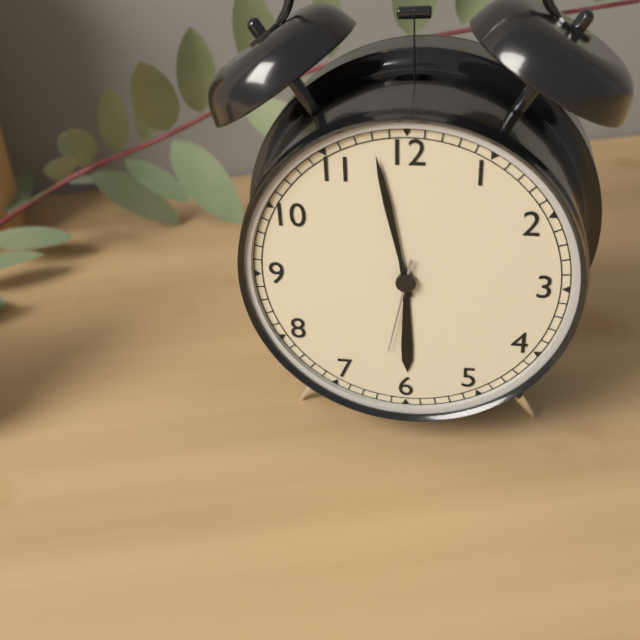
{"hour": 5, "minute": 58, "second": 32}
